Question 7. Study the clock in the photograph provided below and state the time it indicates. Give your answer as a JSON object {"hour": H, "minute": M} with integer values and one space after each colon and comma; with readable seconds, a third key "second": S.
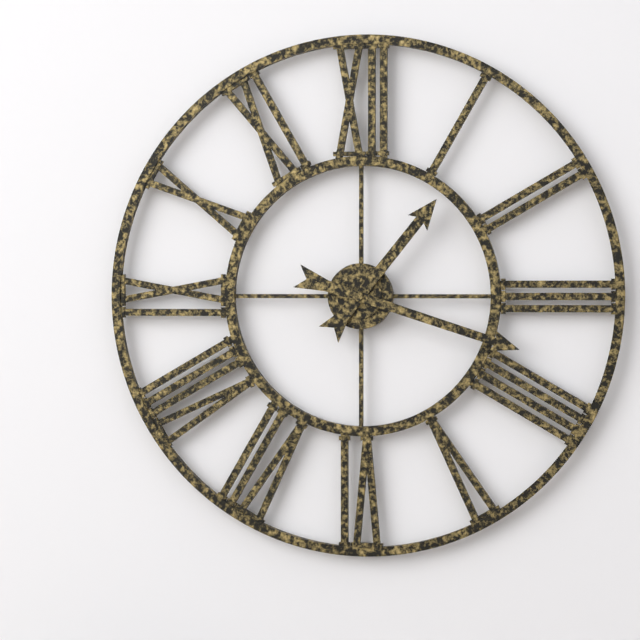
{"hour": 1, "minute": 18}
